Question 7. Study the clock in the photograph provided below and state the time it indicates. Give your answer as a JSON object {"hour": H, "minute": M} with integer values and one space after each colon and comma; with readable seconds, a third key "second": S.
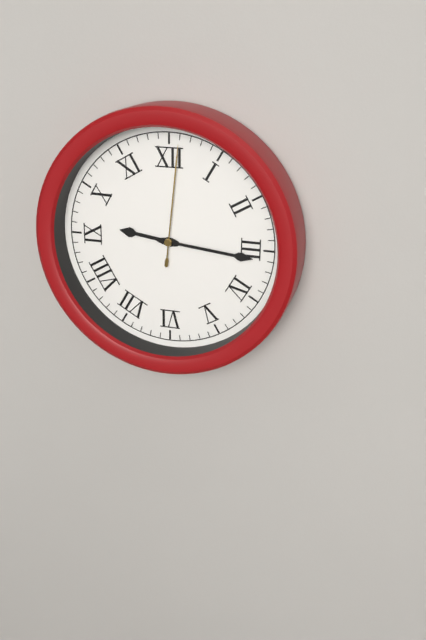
{"hour": 9, "minute": 16, "second": 1}
